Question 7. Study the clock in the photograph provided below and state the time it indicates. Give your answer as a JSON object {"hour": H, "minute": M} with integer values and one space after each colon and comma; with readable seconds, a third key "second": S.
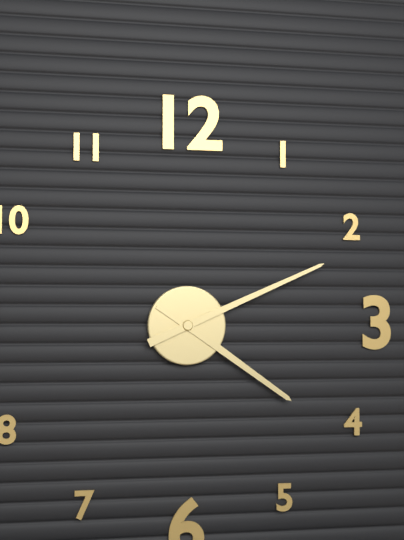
{"hour": 4, "minute": 11}
